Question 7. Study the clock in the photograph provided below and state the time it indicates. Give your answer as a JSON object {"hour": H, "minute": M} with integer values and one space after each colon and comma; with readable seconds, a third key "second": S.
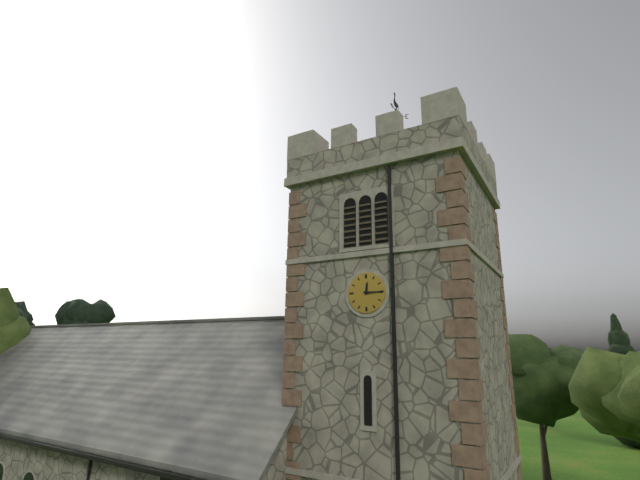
{"hour": 12, "minute": 15}
